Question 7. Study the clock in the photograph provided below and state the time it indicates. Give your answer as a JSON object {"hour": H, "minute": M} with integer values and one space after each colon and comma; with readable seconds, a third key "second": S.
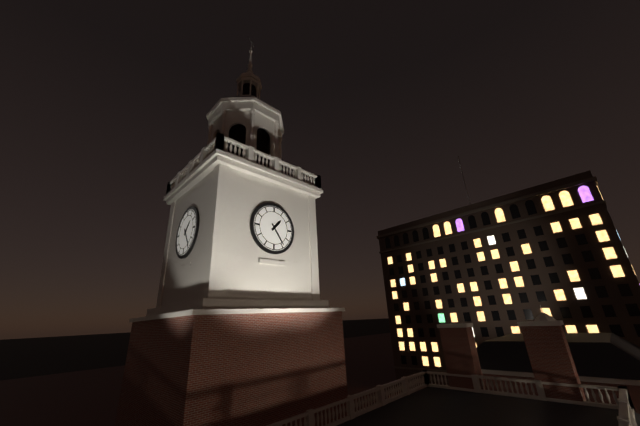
{"hour": 1, "minute": 24}
